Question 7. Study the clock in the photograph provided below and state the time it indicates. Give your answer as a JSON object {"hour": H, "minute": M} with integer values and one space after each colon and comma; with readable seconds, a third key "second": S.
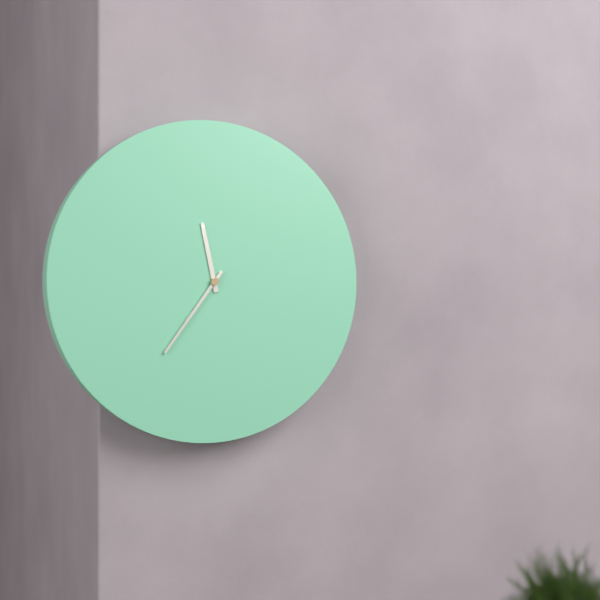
{"hour": 11, "minute": 36}
